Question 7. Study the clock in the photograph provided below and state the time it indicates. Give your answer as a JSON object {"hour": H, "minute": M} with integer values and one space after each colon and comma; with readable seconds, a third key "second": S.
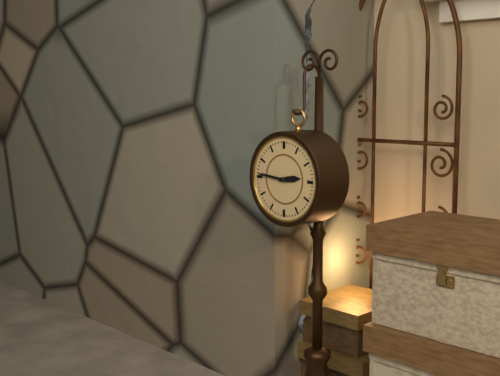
{"hour": 2, "minute": 46}
